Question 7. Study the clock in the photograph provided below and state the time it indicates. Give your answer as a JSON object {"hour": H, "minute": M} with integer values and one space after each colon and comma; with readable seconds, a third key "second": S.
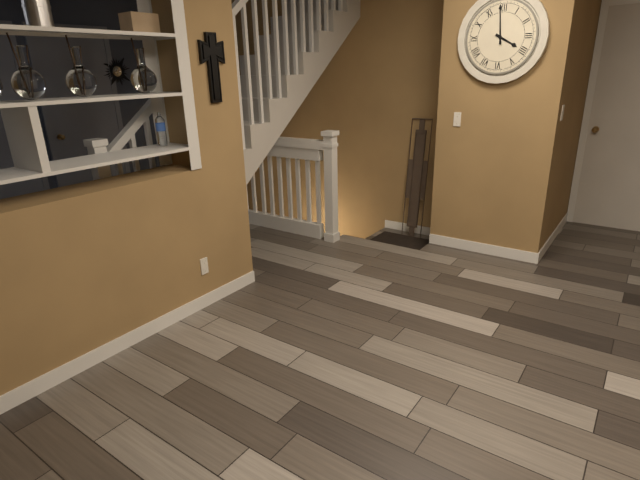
{"hour": 3, "minute": 59}
